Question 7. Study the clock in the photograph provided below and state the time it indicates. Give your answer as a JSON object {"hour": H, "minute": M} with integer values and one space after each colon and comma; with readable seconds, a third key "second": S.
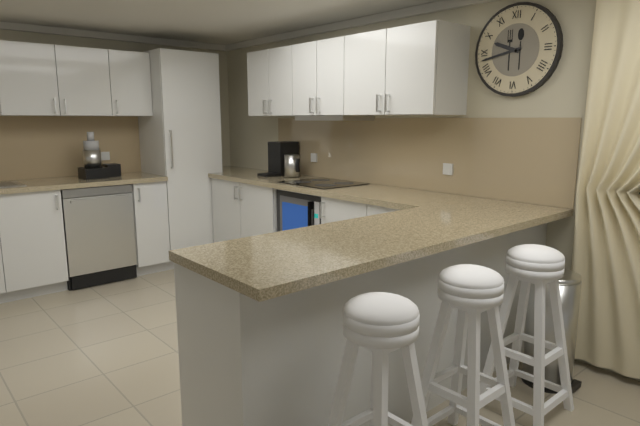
{"hour": 9, "minute": 43}
